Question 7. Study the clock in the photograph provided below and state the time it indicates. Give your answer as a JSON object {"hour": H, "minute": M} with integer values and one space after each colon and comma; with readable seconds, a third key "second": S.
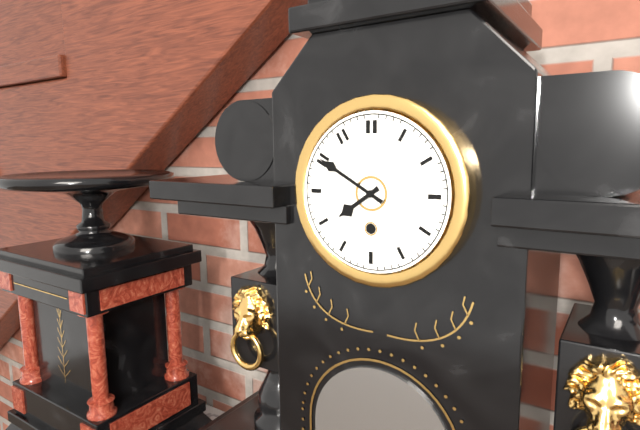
{"hour": 7, "minute": 50}
